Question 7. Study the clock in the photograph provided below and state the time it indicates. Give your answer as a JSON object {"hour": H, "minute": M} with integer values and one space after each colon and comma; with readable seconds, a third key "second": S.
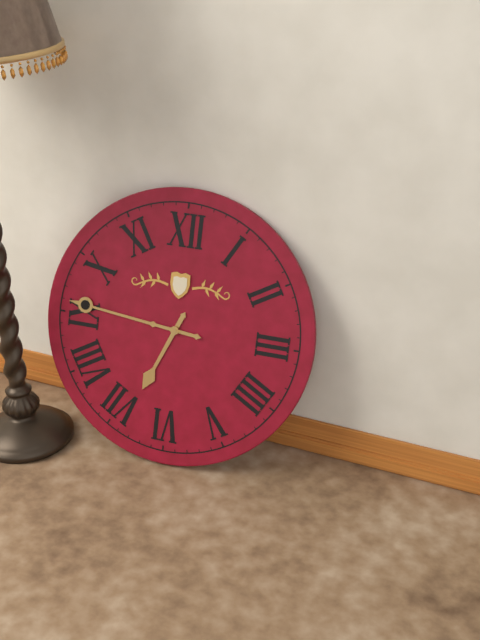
{"hour": 6, "minute": 46}
